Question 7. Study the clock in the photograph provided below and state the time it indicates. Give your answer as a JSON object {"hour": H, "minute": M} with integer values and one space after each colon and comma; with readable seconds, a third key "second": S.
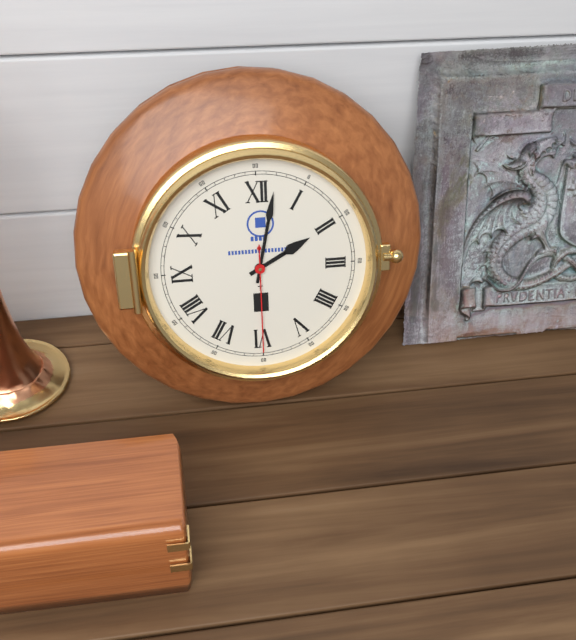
{"hour": 2, "minute": 2, "second": 30}
